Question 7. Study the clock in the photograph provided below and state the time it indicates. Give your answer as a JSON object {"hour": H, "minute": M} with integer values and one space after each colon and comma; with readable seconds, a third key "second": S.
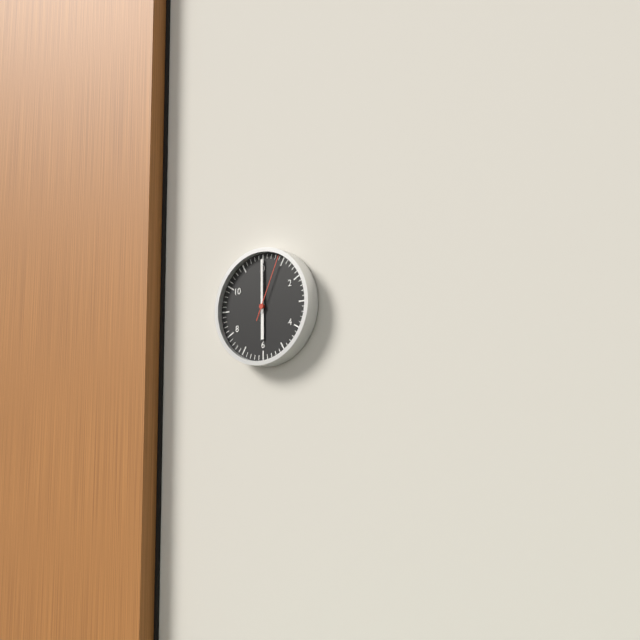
{"hour": 6, "minute": 0, "second": 4}
